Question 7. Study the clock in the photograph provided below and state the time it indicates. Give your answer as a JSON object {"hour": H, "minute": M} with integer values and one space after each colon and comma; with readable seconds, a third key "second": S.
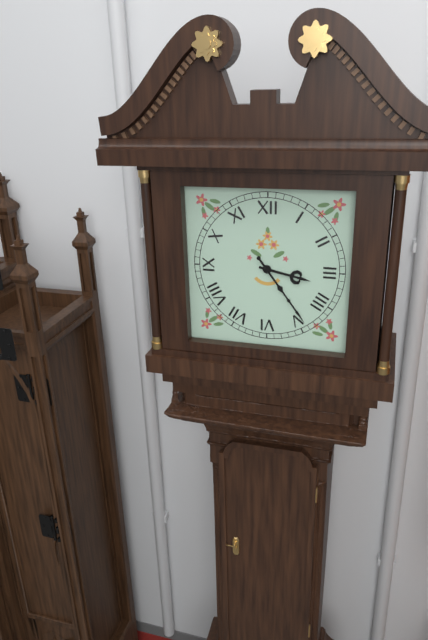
{"hour": 3, "minute": 24}
